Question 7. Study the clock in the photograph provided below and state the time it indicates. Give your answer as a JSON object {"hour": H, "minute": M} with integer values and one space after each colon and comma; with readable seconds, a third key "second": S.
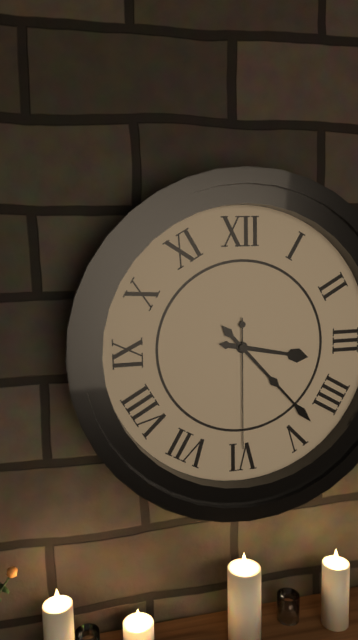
{"hour": 3, "minute": 23, "second": 30}
